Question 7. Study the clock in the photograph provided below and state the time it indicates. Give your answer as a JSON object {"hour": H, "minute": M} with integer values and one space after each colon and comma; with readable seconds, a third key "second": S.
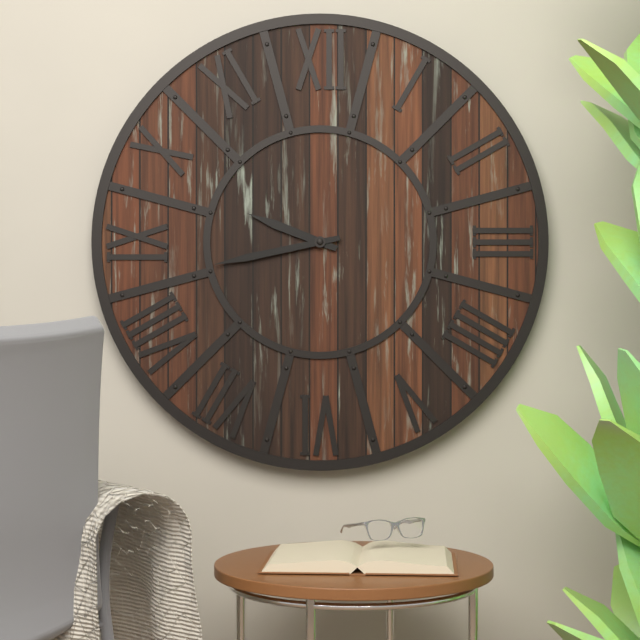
{"hour": 9, "minute": 43}
